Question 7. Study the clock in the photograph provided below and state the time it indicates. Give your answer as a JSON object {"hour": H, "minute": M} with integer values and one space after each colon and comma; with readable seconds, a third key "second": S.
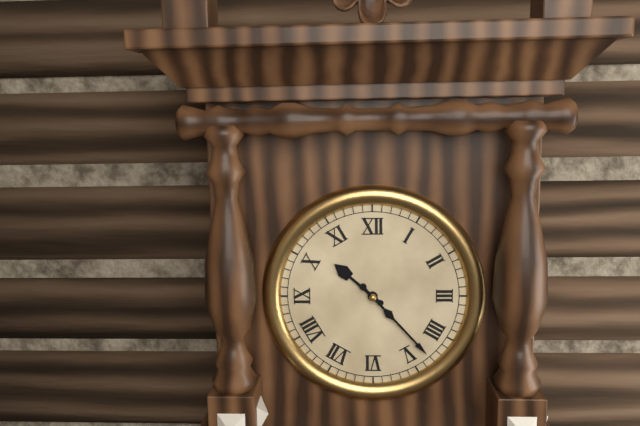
{"hour": 10, "minute": 23}
